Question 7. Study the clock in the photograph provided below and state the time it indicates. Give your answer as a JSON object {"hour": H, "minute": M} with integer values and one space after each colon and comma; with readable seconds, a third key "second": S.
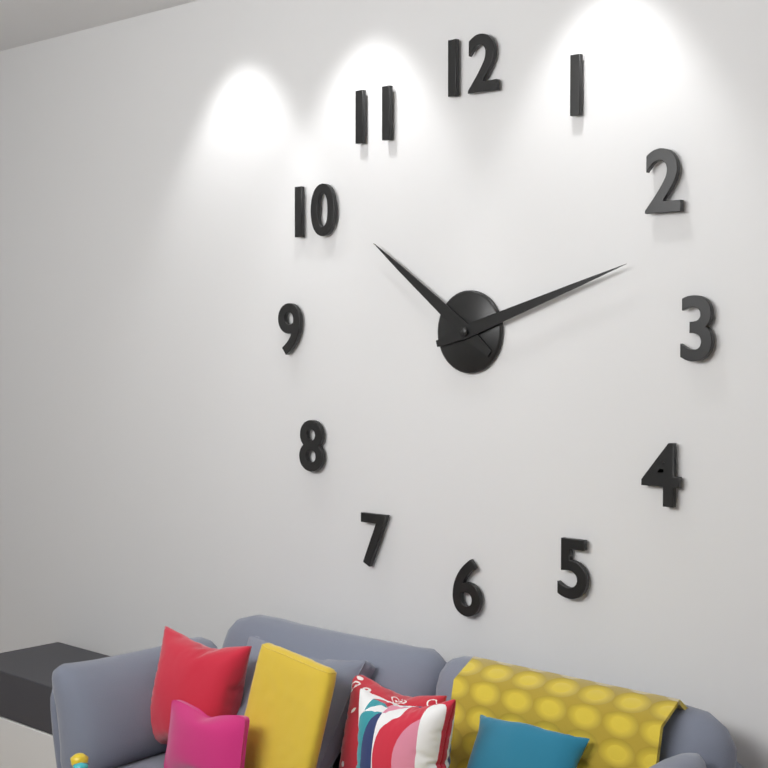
{"hour": 10, "minute": 12}
